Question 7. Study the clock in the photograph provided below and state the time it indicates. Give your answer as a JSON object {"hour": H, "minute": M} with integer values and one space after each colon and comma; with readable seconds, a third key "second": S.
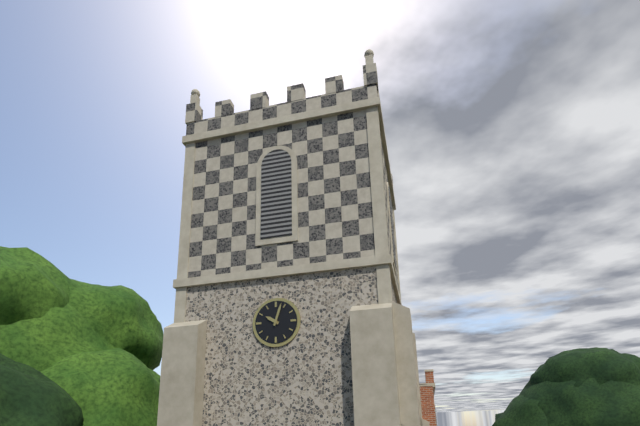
{"hour": 10, "minute": 3}
